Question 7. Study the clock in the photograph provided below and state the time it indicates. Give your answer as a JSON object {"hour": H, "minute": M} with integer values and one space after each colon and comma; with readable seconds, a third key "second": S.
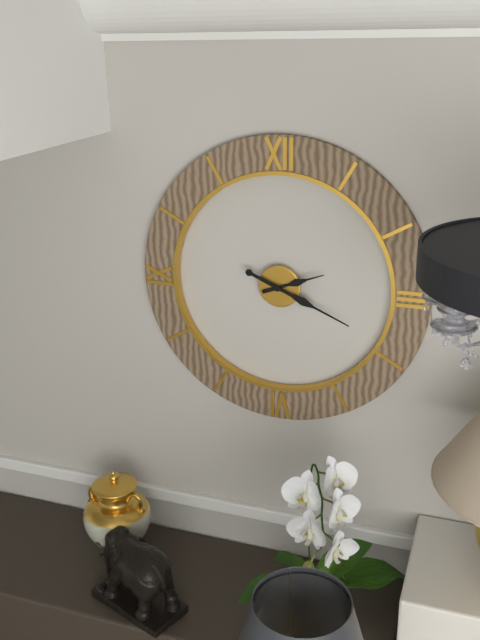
{"hour": 2, "minute": 19}
